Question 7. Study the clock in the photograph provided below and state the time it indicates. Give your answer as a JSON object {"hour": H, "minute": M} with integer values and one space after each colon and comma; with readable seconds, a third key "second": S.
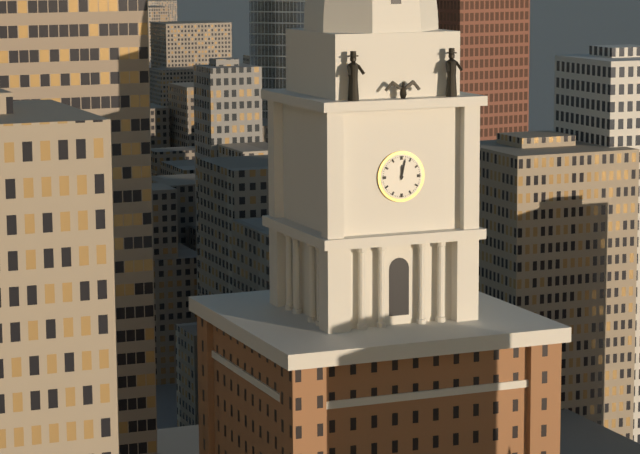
{"hour": 12, "minute": 2}
